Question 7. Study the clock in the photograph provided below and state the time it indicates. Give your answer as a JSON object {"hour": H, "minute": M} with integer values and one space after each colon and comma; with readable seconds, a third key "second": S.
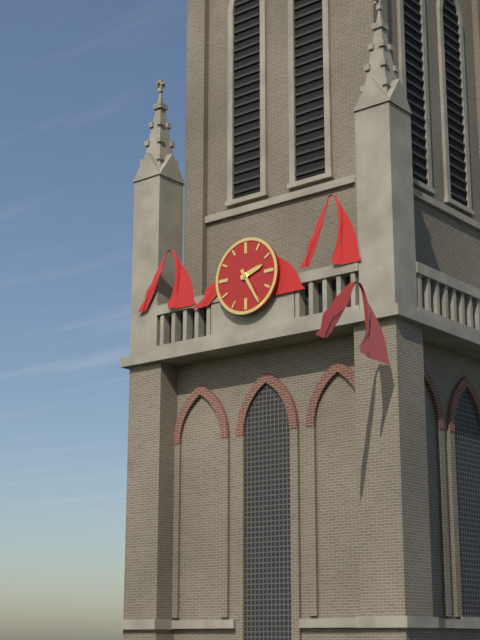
{"hour": 2, "minute": 25}
